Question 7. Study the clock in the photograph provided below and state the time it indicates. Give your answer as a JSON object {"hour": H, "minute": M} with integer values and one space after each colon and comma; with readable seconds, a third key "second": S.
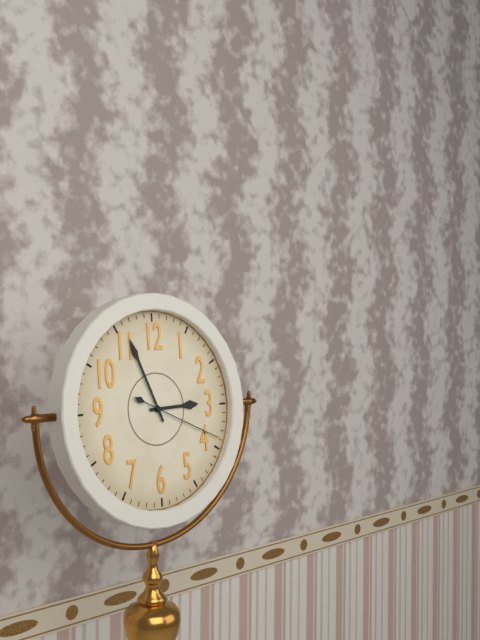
{"hour": 2, "minute": 56, "second": 19}
